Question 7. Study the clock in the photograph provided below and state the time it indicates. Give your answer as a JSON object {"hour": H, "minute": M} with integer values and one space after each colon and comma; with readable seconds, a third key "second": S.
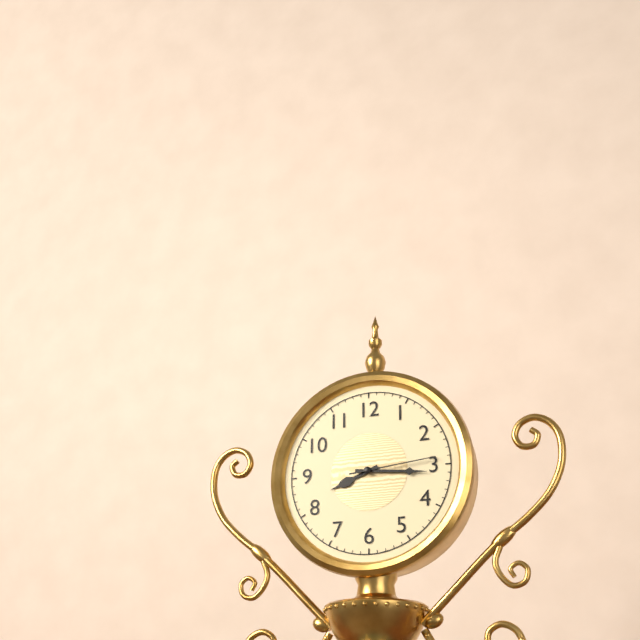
{"hour": 8, "minute": 16, "second": 14}
